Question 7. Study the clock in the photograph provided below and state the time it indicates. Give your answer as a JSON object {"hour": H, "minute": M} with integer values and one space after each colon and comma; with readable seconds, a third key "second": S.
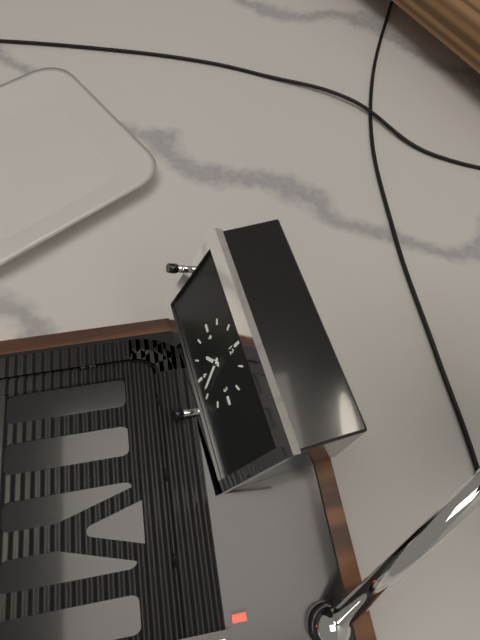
{"hour": 7, "minute": 26}
